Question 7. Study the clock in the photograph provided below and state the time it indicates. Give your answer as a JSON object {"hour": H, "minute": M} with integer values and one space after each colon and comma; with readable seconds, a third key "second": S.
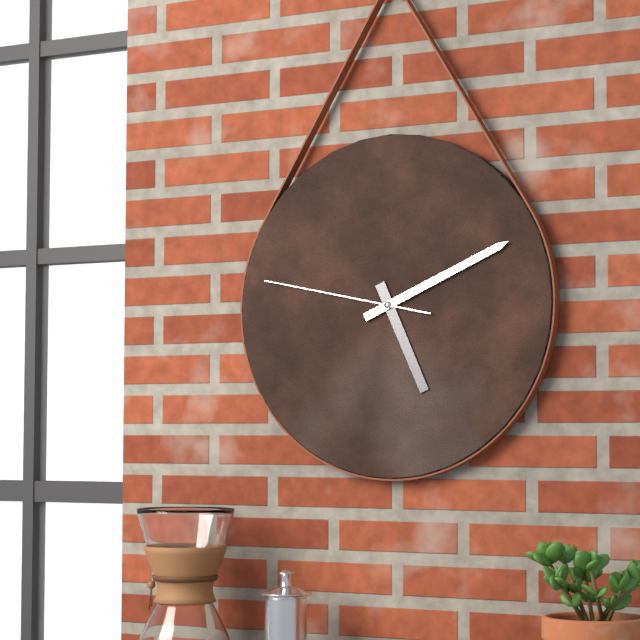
{"hour": 5, "minute": 11, "second": 47}
